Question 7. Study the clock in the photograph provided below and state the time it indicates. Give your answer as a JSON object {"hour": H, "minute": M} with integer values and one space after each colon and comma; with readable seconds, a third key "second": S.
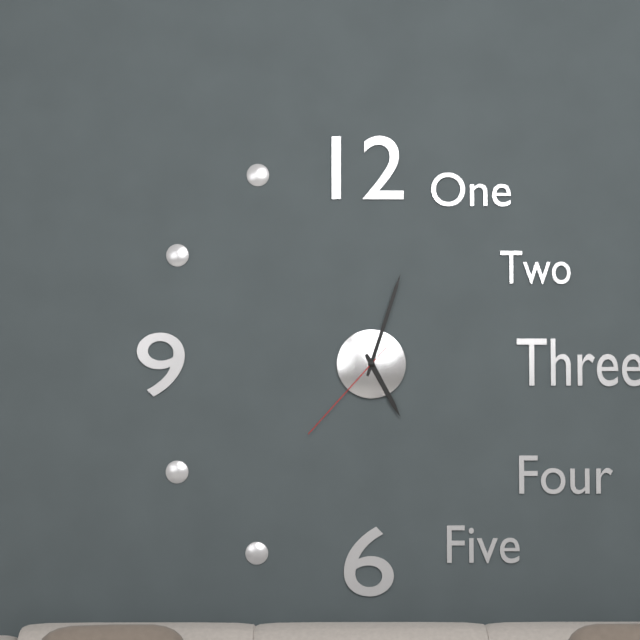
{"hour": 5, "minute": 3, "second": 37}
